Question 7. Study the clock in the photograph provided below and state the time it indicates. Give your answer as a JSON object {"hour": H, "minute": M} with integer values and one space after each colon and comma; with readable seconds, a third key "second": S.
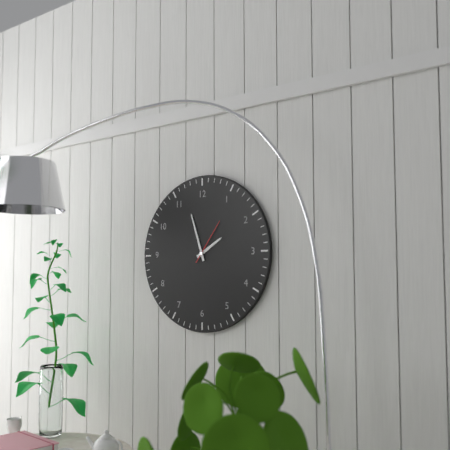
{"hour": 1, "minute": 57}
